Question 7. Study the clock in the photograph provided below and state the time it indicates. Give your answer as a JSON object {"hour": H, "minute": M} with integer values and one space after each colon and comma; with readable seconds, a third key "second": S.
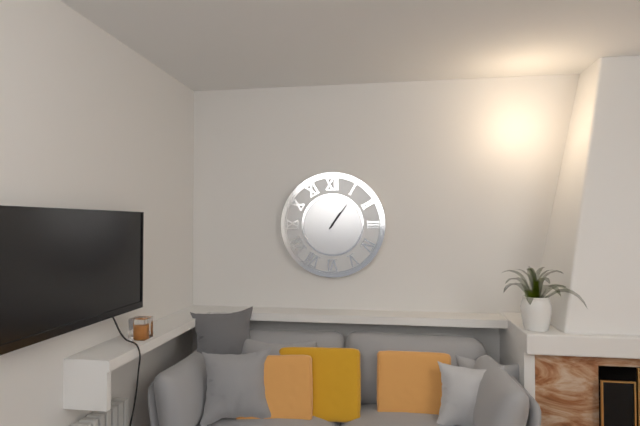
{"hour": 1, "minute": 6}
